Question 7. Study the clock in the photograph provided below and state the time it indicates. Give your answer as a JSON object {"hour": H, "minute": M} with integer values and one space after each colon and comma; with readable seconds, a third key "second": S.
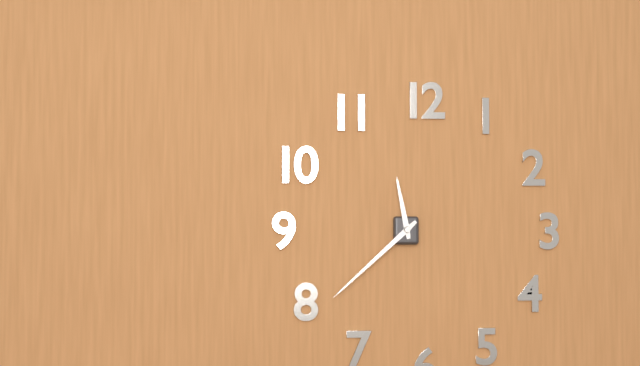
{"hour": 11, "minute": 38}
